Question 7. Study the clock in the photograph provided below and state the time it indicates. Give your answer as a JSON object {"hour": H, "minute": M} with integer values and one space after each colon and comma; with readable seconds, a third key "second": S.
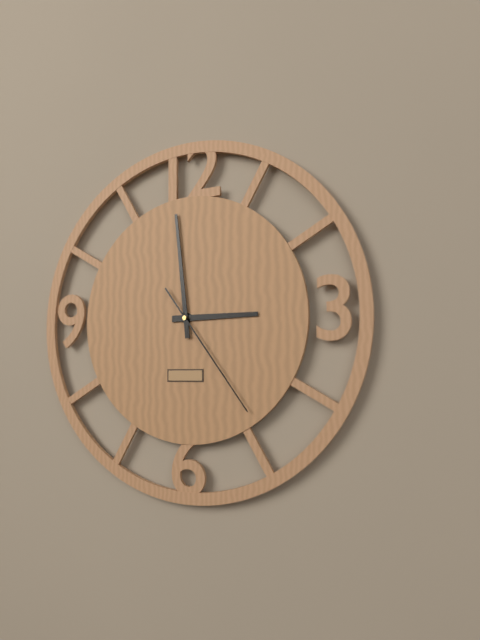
{"hour": 2, "minute": 59, "second": 24}
